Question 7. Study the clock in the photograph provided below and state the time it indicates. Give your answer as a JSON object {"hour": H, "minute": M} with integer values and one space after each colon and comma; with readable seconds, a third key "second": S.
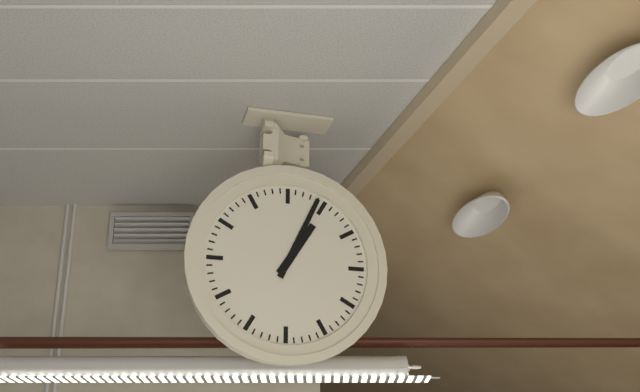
{"hour": 1, "minute": 4}
